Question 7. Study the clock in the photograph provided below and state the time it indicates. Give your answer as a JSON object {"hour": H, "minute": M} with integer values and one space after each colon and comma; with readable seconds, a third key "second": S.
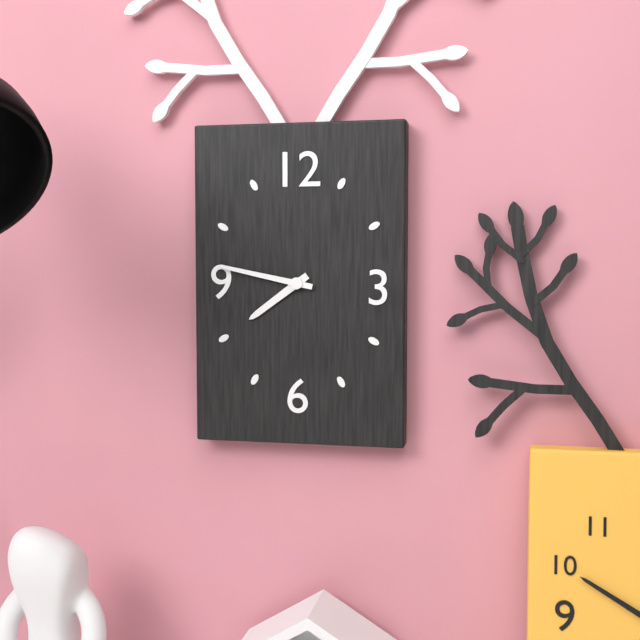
{"hour": 7, "minute": 47}
